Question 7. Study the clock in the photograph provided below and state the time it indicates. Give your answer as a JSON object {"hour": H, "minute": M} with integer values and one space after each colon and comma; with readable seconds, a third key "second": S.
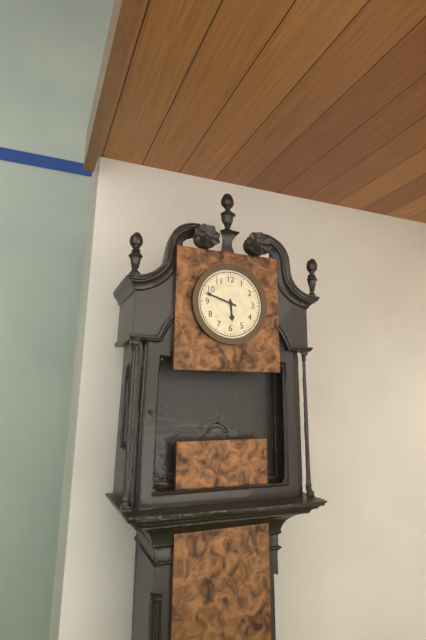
{"hour": 5, "minute": 48}
